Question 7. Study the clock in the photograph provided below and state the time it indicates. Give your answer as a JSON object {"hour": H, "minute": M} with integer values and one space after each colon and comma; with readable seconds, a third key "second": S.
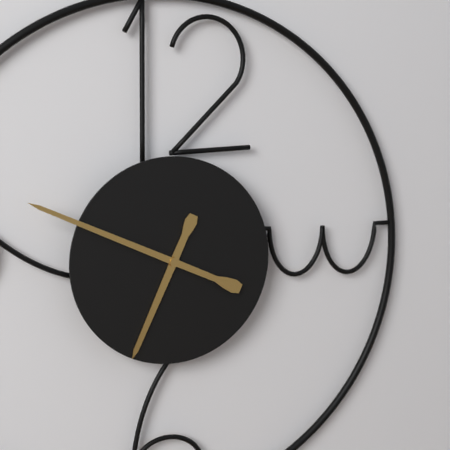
{"hour": 6, "minute": 49}
